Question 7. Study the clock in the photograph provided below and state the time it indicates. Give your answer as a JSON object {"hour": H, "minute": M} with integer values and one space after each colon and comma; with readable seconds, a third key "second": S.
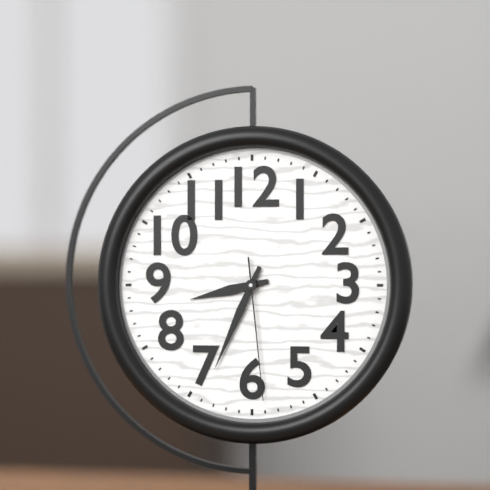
{"hour": 8, "minute": 34, "second": 29}
